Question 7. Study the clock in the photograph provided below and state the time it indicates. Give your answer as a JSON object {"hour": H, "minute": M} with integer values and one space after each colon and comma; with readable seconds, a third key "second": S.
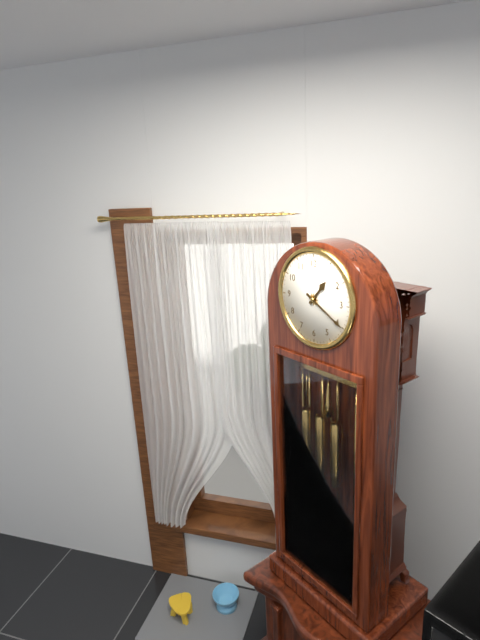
{"hour": 1, "minute": 20}
